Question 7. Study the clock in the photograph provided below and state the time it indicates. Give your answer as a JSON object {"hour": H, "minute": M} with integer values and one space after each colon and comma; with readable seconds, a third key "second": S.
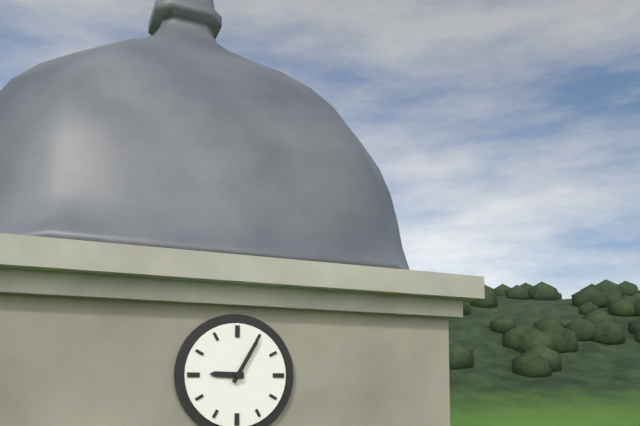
{"hour": 9, "minute": 5}
